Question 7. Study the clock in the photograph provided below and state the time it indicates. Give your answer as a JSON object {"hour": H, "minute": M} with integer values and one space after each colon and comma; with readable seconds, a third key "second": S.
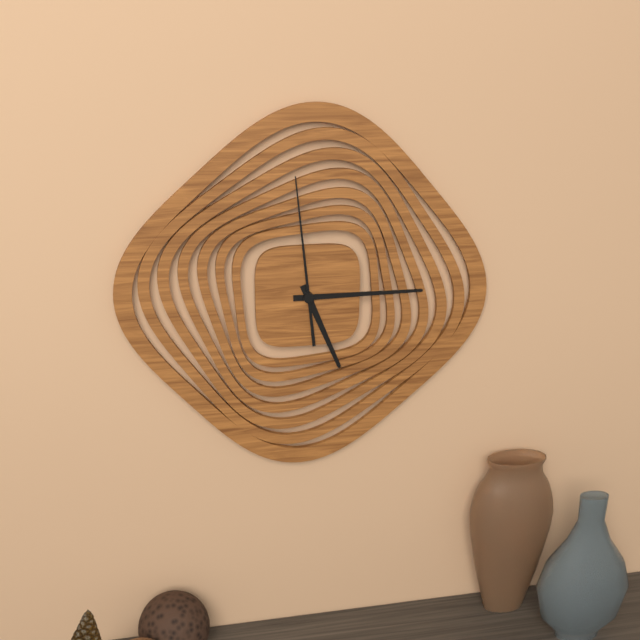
{"hour": 5, "minute": 15, "second": 59}
